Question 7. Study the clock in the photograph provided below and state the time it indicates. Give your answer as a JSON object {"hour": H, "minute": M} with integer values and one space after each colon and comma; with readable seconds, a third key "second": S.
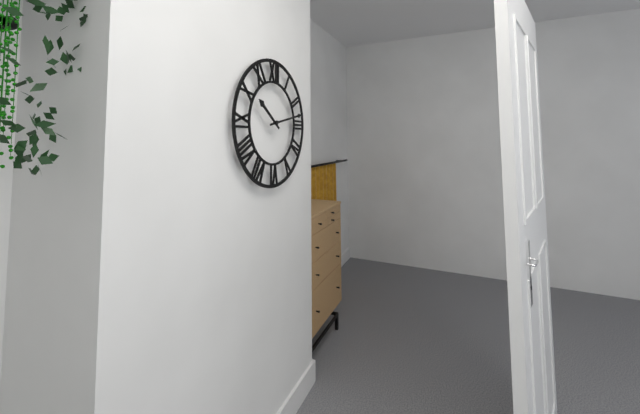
{"hour": 10, "minute": 13}
